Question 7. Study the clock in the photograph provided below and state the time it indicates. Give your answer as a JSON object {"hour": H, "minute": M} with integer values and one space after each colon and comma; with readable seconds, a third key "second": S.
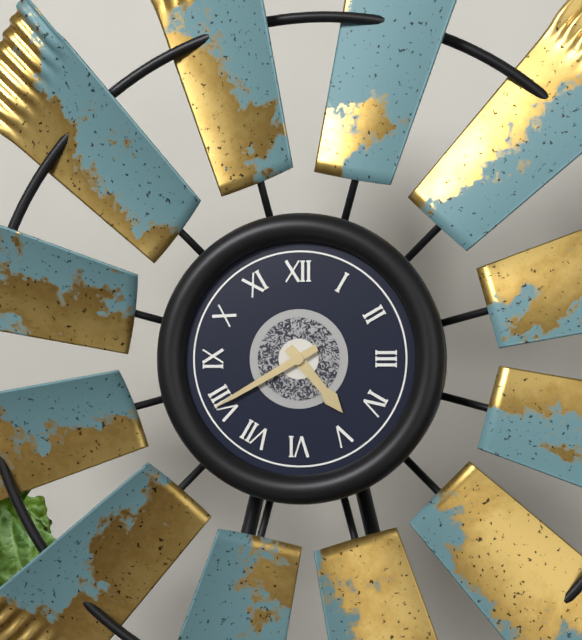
{"hour": 4, "minute": 40}
